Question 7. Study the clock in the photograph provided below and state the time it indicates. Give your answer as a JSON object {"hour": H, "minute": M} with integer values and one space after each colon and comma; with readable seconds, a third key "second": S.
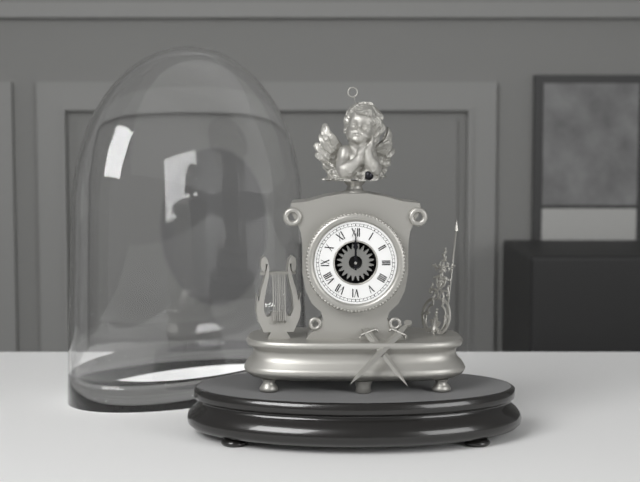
{"hour": 12, "minute": 0}
